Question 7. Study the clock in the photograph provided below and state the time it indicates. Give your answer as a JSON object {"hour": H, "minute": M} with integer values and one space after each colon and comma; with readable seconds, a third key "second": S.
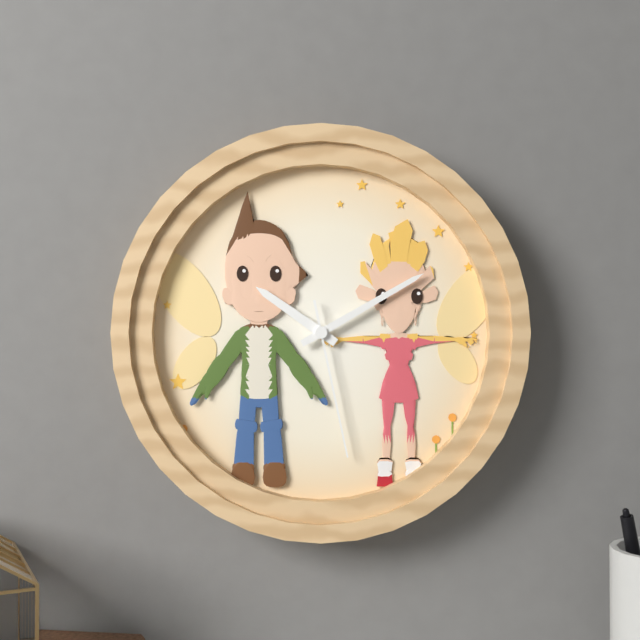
{"hour": 10, "minute": 10, "second": 28}
